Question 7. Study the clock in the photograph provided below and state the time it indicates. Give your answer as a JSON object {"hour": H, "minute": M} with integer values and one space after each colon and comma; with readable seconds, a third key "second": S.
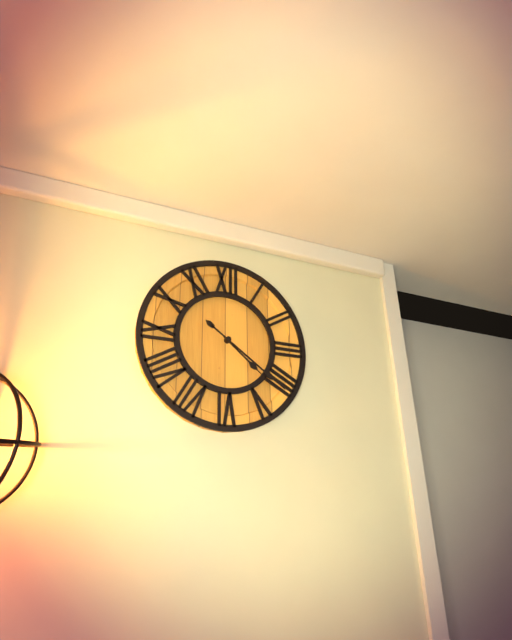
{"hour": 4, "minute": 21}
